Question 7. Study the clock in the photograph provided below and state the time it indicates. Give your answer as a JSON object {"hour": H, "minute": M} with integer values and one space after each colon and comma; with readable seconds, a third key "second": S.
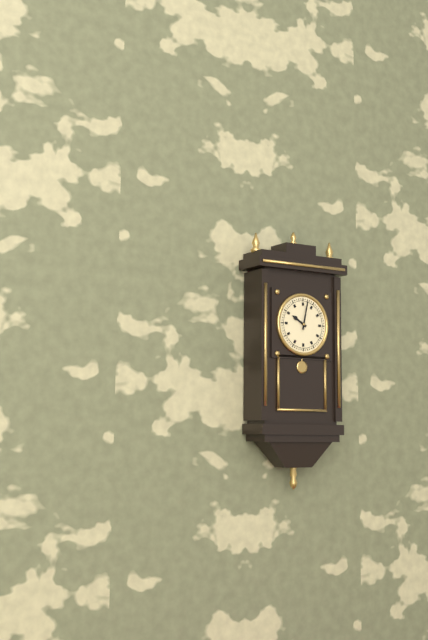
{"hour": 10, "minute": 2}
